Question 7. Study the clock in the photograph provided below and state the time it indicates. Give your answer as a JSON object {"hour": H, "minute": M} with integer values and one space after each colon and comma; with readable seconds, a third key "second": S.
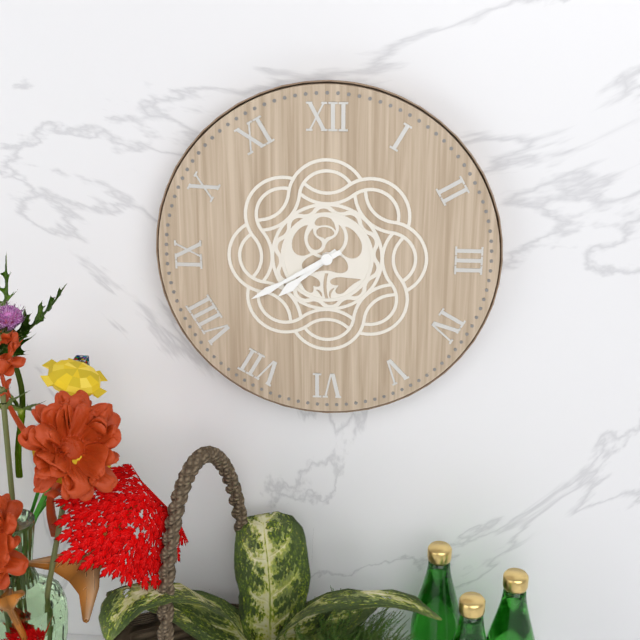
{"hour": 7, "minute": 40}
